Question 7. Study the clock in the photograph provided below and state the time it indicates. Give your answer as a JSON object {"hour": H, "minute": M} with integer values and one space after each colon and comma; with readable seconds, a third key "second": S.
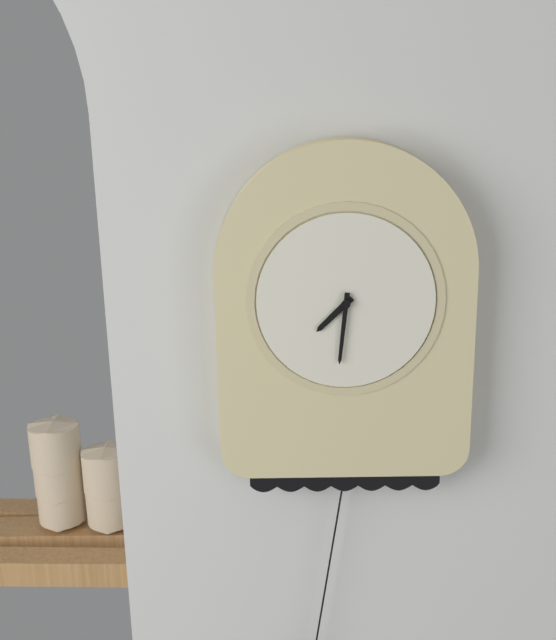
{"hour": 7, "minute": 31}
